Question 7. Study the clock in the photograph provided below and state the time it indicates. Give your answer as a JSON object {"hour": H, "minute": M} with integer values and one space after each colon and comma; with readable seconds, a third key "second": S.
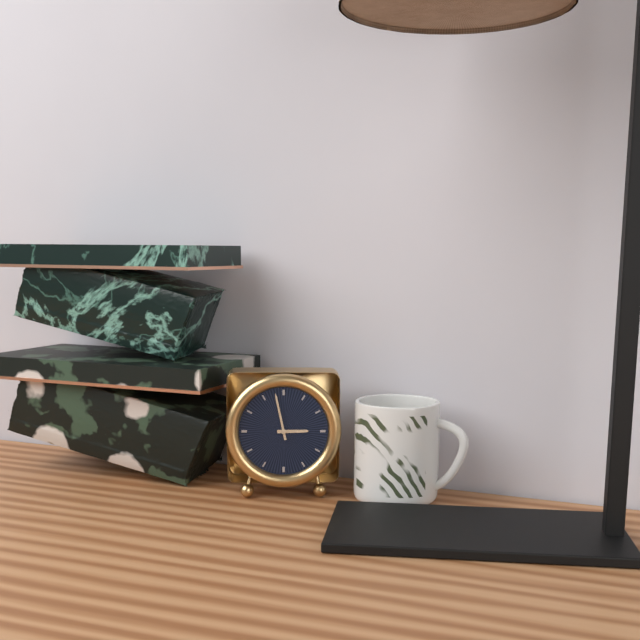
{"hour": 2, "minute": 58}
